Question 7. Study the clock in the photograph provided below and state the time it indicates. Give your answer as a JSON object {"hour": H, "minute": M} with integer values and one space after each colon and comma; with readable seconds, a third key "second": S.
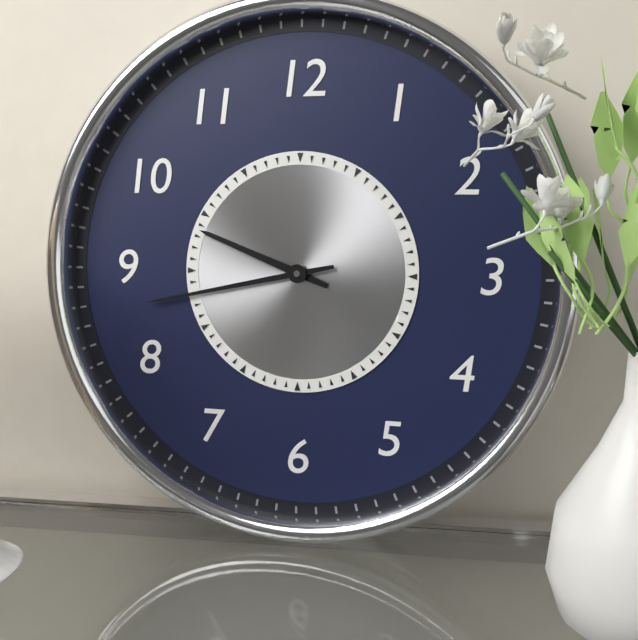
{"hour": 9, "minute": 43}
